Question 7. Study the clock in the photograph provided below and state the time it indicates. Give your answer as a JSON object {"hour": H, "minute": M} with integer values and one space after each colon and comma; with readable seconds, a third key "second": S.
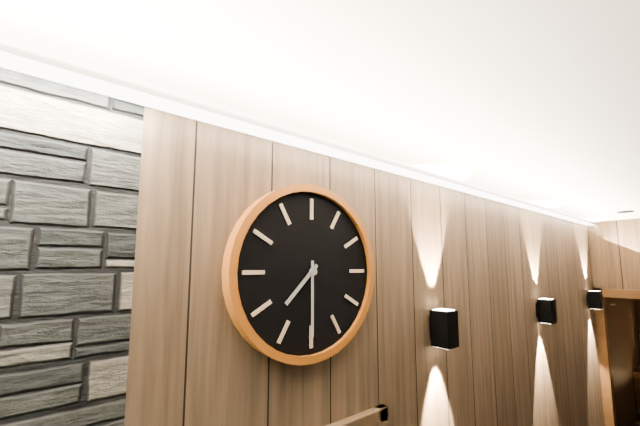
{"hour": 7, "minute": 30}
